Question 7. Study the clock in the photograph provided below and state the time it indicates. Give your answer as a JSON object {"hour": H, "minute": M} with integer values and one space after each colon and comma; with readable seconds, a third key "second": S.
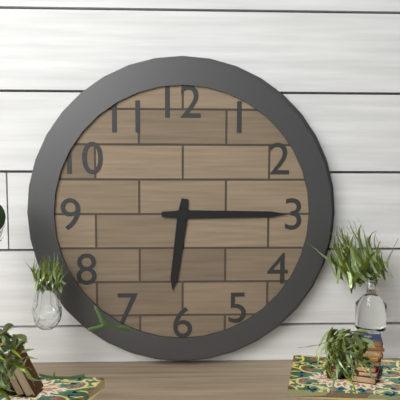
{"hour": 6, "minute": 15}
